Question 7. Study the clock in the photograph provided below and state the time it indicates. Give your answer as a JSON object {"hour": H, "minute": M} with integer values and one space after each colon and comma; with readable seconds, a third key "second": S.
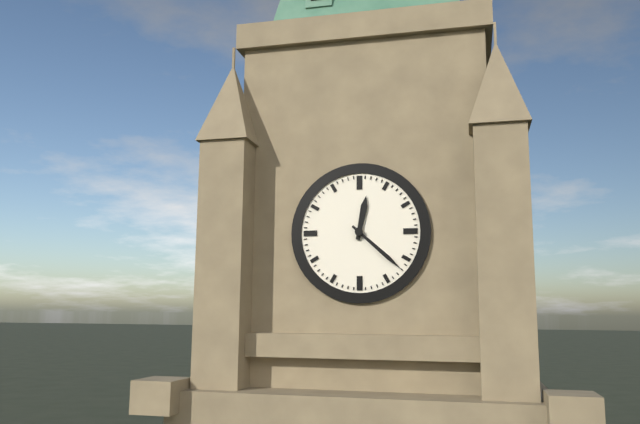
{"hour": 12, "minute": 22}
